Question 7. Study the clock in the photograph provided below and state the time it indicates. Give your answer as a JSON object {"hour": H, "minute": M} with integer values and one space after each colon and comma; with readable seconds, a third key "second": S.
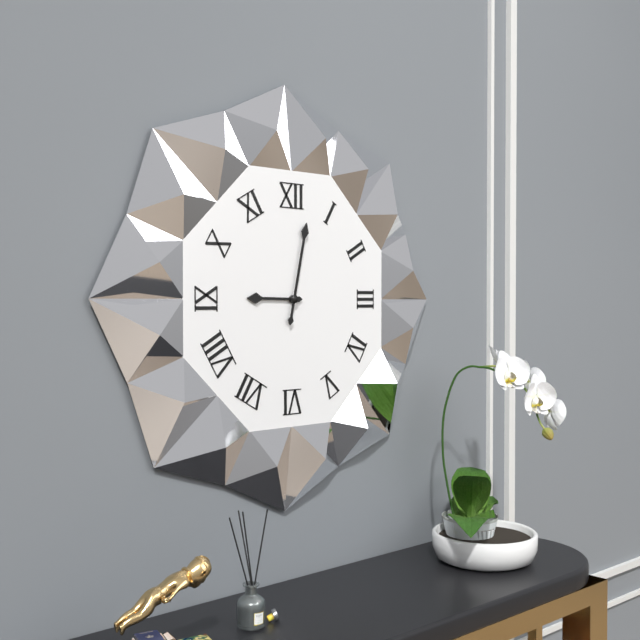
{"hour": 9, "minute": 2}
